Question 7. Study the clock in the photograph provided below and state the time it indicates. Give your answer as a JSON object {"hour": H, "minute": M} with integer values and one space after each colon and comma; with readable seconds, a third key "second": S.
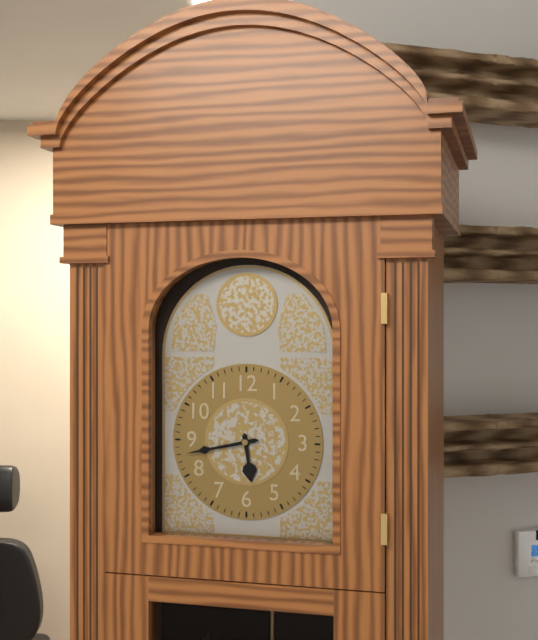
{"hour": 5, "minute": 43}
